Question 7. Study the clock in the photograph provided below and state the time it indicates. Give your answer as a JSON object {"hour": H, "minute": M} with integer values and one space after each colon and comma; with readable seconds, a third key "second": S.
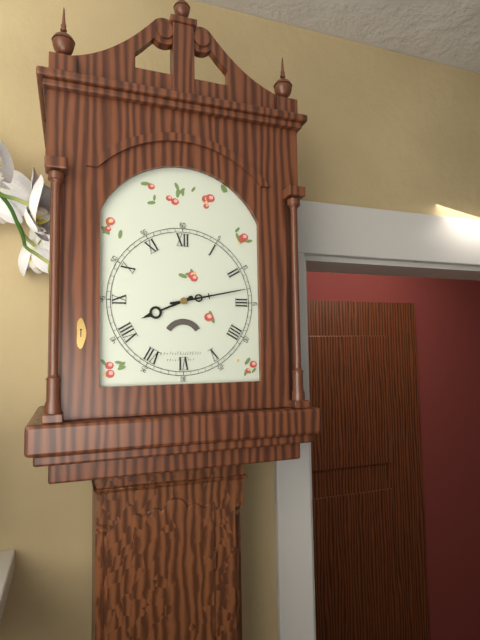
{"hour": 8, "minute": 13}
